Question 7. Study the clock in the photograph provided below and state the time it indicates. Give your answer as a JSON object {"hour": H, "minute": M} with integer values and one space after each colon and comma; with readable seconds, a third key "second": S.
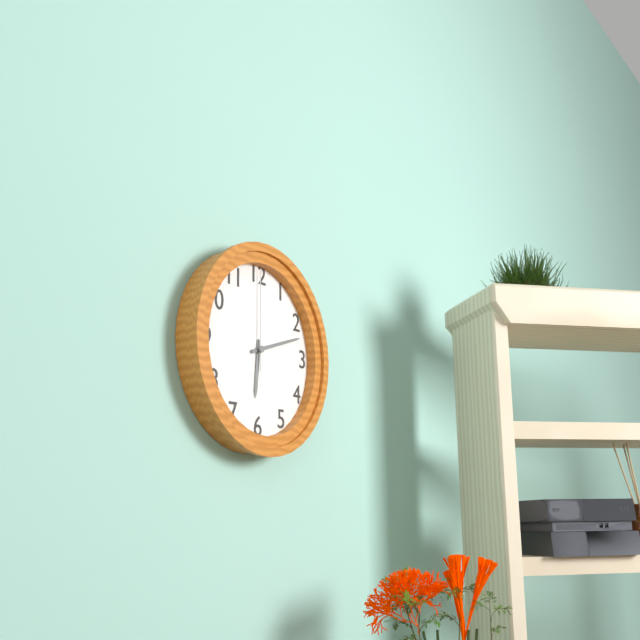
{"hour": 6, "minute": 12, "second": 0}
